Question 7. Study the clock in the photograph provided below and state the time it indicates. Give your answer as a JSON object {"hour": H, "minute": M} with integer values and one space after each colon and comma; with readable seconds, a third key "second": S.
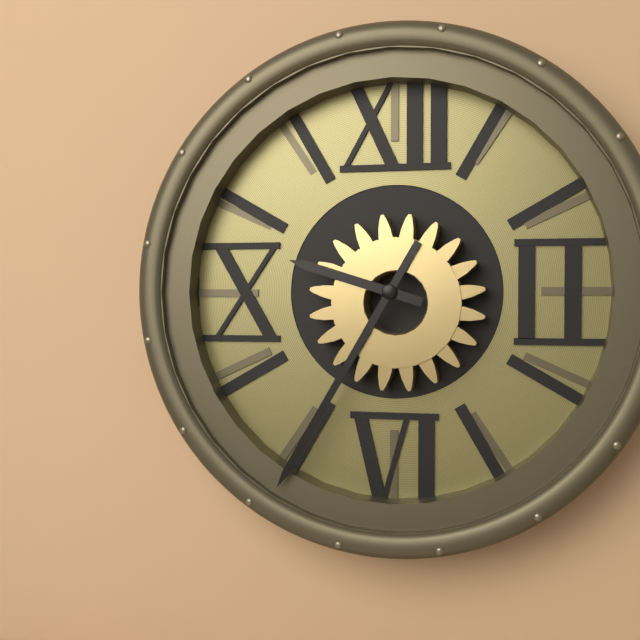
{"hour": 9, "minute": 35}
